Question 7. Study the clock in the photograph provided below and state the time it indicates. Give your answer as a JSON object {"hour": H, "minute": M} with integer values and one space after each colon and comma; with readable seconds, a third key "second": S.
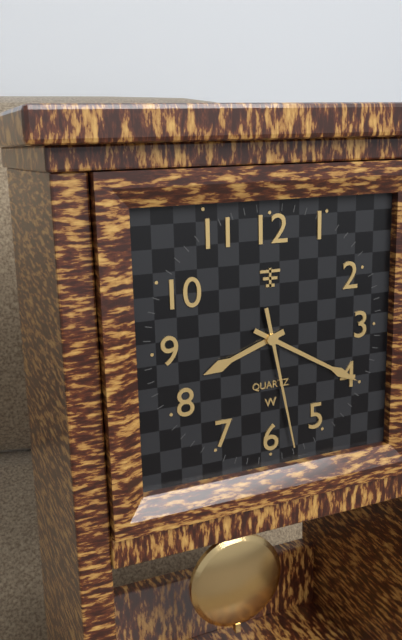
{"hour": 8, "minute": 20, "second": 28}
